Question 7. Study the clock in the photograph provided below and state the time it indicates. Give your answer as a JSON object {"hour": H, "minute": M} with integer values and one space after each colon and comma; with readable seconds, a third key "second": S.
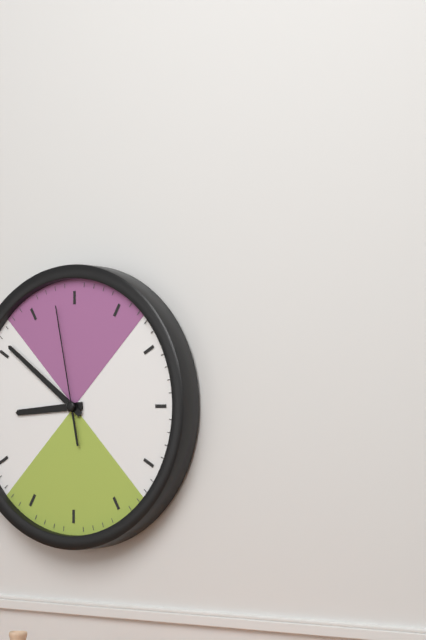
{"hour": 8, "minute": 51, "second": 58}
